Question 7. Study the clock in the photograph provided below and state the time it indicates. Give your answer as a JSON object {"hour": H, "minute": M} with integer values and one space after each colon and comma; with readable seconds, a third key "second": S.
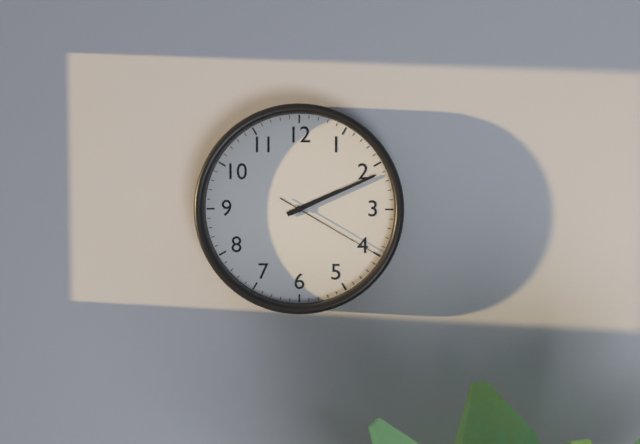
{"hour": 2, "minute": 11, "second": 20}
